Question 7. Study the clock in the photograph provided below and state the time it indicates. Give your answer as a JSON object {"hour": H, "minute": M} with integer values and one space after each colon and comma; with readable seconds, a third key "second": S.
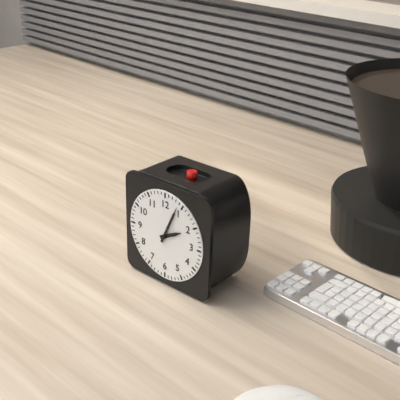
{"hour": 2, "minute": 4}
